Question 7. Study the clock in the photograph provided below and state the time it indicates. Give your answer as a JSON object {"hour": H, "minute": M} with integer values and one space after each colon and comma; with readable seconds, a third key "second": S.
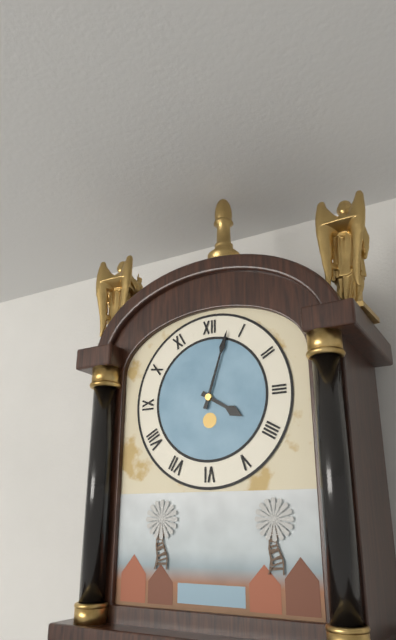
{"hour": 4, "minute": 3}
